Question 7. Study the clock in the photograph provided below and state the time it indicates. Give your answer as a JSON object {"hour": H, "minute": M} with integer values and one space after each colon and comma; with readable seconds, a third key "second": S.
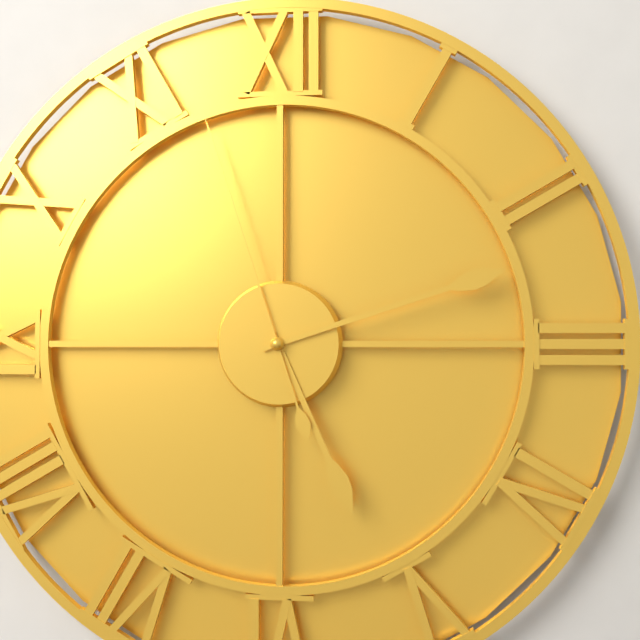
{"hour": 5, "minute": 12, "second": 57}
